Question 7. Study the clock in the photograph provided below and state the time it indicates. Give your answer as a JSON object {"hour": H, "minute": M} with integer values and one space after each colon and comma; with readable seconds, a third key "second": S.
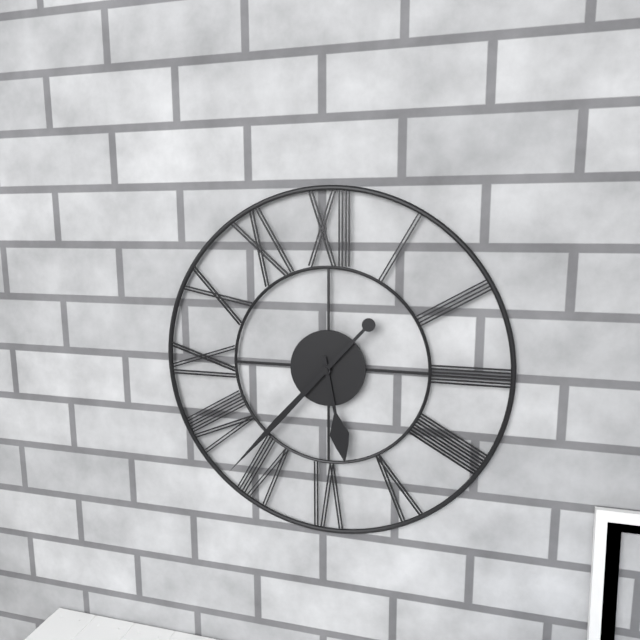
{"hour": 5, "minute": 37}
